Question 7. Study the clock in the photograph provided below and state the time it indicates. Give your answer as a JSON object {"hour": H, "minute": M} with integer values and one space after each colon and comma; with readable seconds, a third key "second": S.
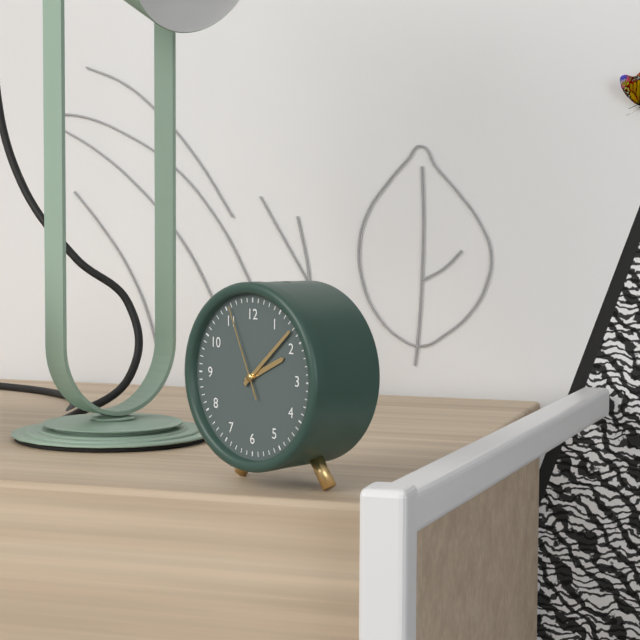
{"hour": 2, "minute": 8, "second": 56}
